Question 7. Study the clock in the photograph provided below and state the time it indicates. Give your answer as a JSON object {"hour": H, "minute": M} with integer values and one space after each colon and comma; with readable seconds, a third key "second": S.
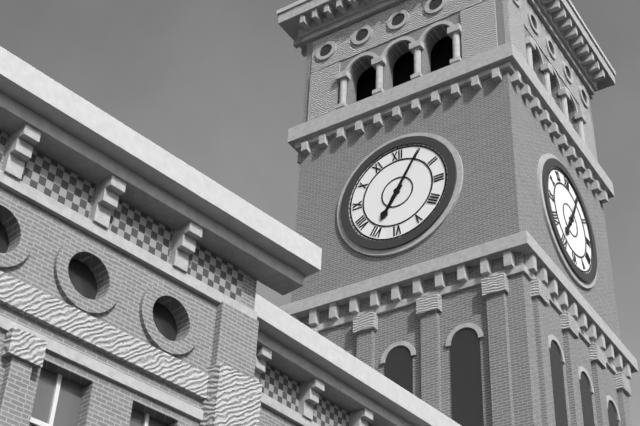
{"hour": 7, "minute": 5}
